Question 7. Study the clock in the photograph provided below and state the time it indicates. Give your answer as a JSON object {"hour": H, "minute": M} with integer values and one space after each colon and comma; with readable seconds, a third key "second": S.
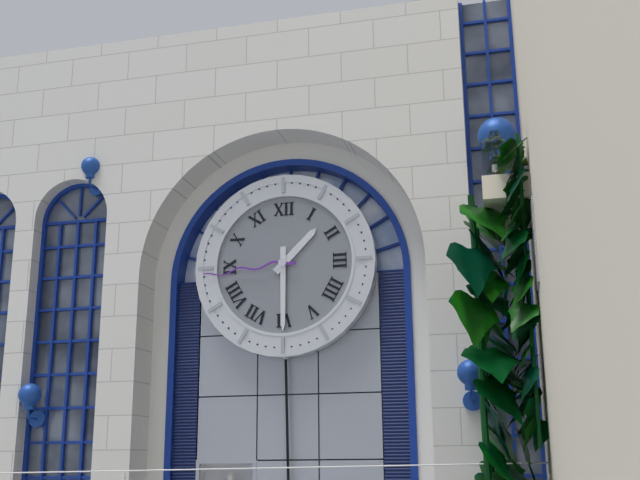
{"hour": 1, "minute": 30, "second": 44}
